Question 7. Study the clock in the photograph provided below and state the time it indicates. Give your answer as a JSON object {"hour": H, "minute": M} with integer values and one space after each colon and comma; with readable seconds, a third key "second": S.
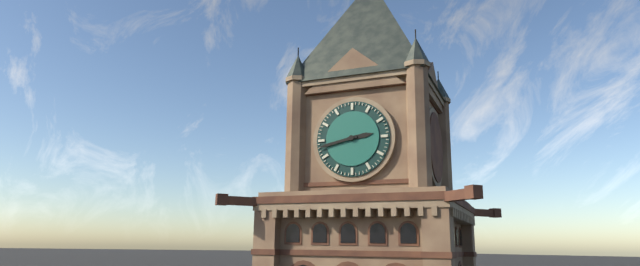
{"hour": 2, "minute": 43}
